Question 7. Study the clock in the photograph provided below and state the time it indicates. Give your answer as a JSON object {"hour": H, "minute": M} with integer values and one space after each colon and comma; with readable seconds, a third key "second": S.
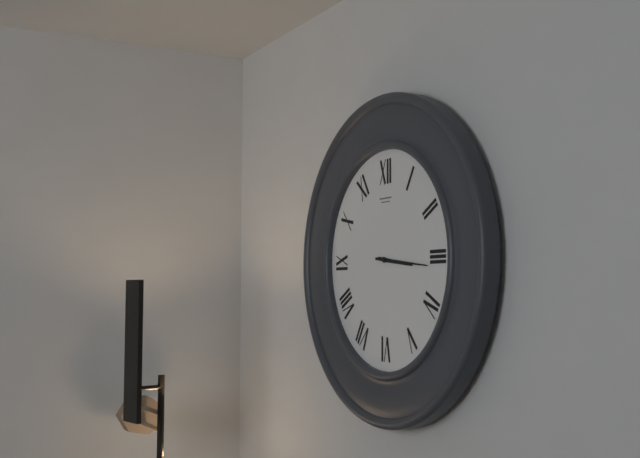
{"hour": 3, "minute": 16}
